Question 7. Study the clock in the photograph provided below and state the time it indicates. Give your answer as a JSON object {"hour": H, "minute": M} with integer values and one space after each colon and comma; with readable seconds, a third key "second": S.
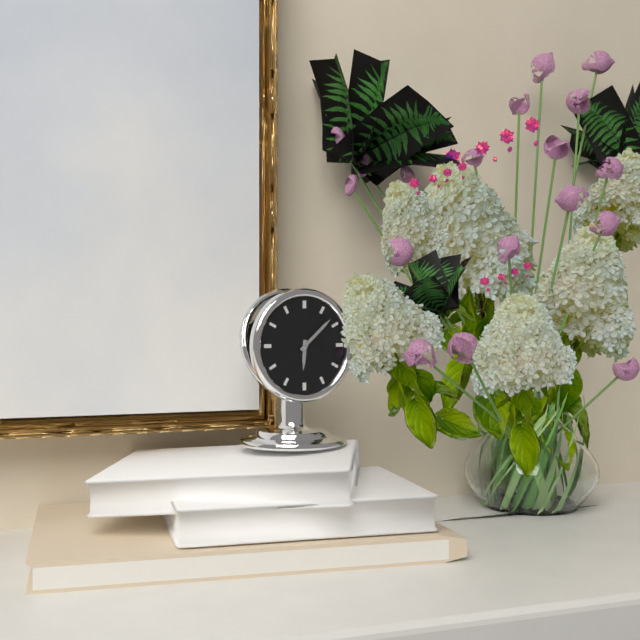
{"hour": 6, "minute": 8}
